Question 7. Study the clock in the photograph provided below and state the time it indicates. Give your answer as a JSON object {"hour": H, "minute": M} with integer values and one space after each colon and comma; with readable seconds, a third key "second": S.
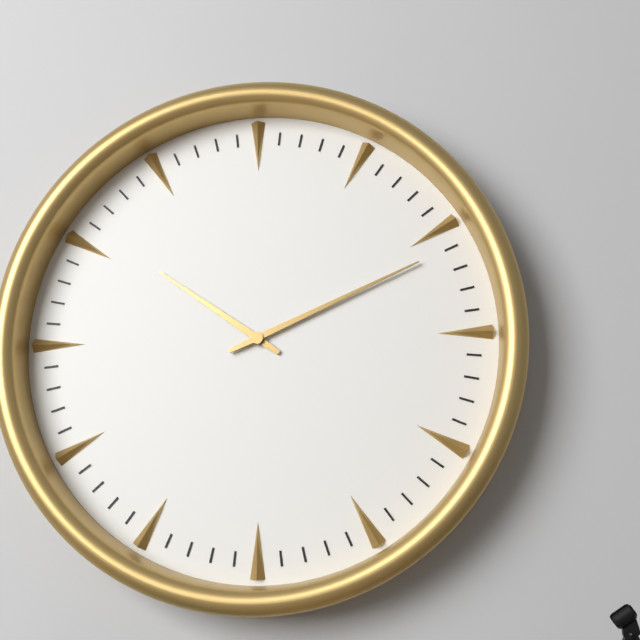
{"hour": 10, "minute": 11}
